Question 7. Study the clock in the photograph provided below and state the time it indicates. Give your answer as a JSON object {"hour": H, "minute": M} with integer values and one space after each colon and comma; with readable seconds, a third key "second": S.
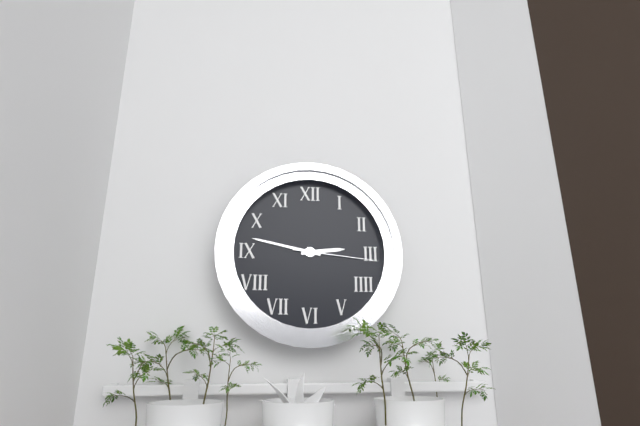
{"hour": 2, "minute": 47, "second": 16}
